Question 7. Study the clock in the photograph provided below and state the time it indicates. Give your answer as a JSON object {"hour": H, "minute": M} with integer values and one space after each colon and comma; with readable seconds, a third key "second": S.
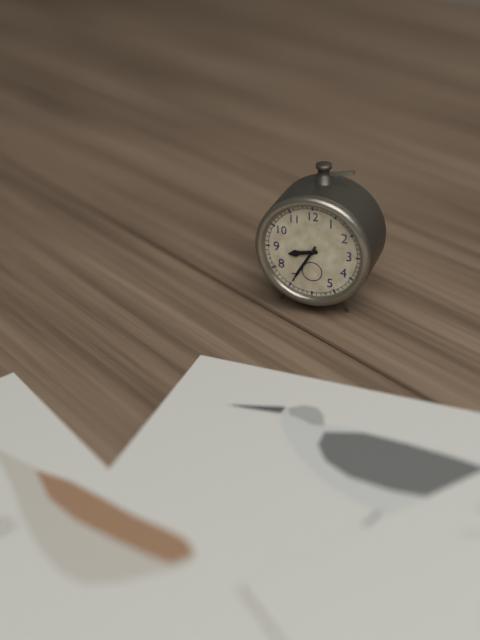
{"hour": 8, "minute": 35}
